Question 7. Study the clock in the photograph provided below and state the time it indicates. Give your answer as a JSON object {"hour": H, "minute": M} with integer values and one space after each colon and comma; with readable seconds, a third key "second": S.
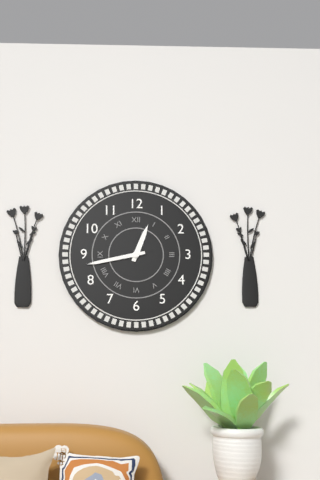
{"hour": 12, "minute": 43}
